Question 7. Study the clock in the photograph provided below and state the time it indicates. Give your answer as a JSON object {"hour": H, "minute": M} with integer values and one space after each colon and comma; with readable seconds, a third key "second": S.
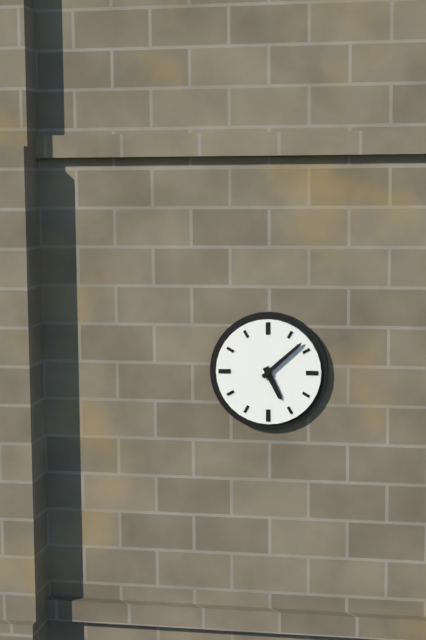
{"hour": 5, "minute": 8}
